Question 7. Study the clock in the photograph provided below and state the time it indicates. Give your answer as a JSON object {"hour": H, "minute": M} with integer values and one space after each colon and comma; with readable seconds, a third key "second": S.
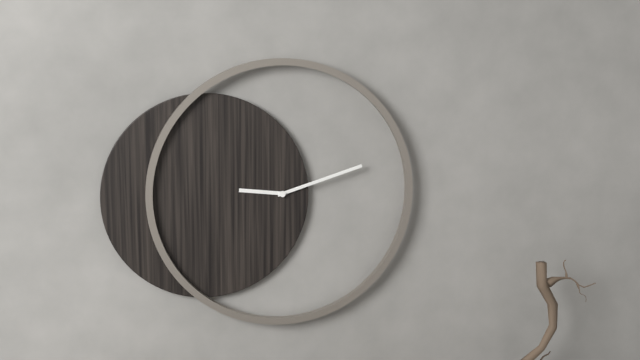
{"hour": 9, "minute": 12}
